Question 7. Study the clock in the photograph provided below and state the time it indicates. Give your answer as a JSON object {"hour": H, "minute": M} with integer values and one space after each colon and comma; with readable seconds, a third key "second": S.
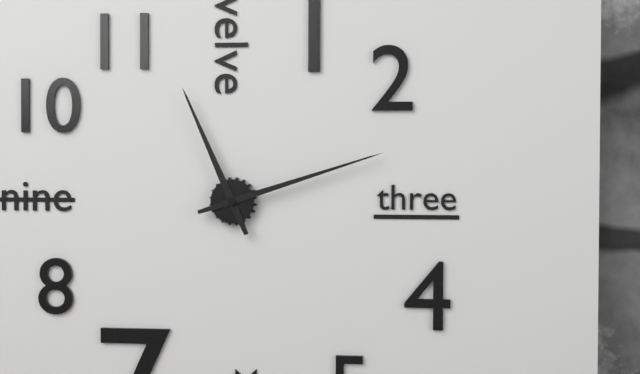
{"hour": 11, "minute": 12}
